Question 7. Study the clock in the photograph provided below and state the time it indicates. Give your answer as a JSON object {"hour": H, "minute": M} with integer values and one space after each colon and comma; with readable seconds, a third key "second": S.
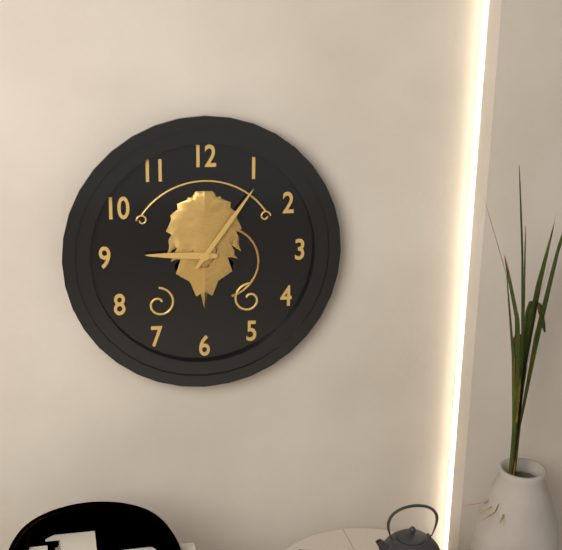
{"hour": 9, "minute": 6}
